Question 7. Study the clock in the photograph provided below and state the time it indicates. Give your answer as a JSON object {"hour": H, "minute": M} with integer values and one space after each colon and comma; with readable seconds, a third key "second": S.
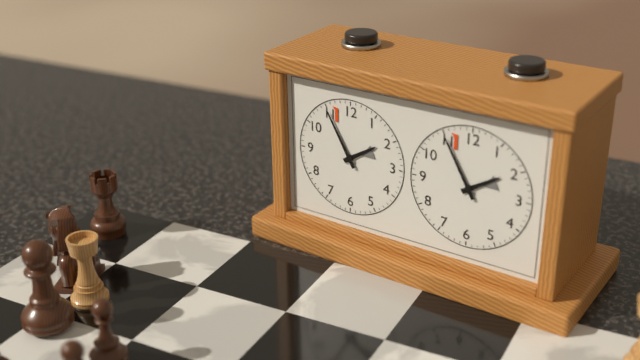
{"hour": 1, "minute": 55}
